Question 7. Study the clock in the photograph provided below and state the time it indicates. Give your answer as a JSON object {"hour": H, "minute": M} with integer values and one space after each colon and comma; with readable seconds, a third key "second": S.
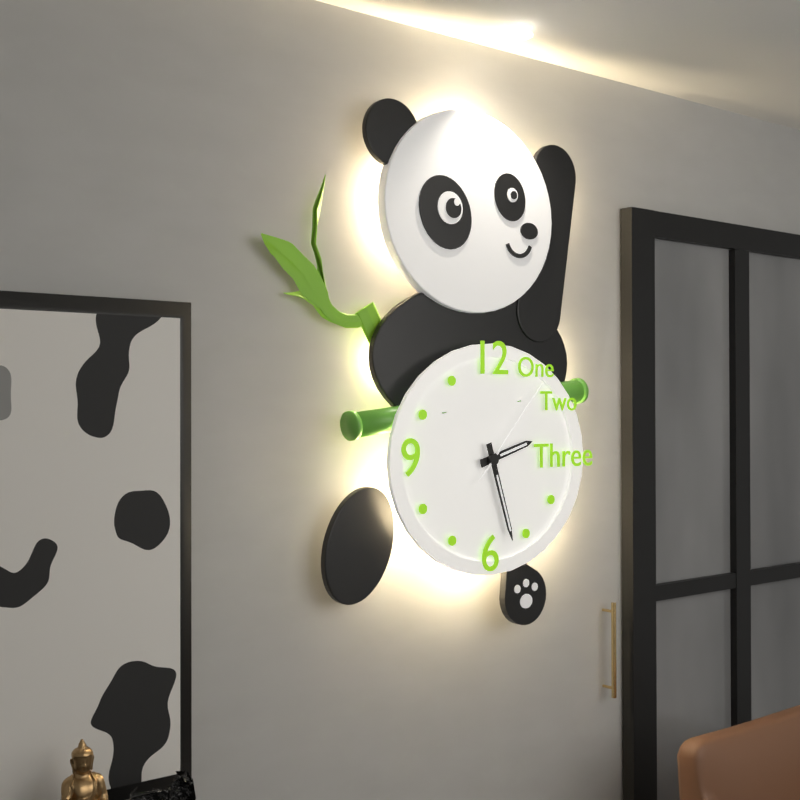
{"hour": 2, "minute": 27, "second": 7}
